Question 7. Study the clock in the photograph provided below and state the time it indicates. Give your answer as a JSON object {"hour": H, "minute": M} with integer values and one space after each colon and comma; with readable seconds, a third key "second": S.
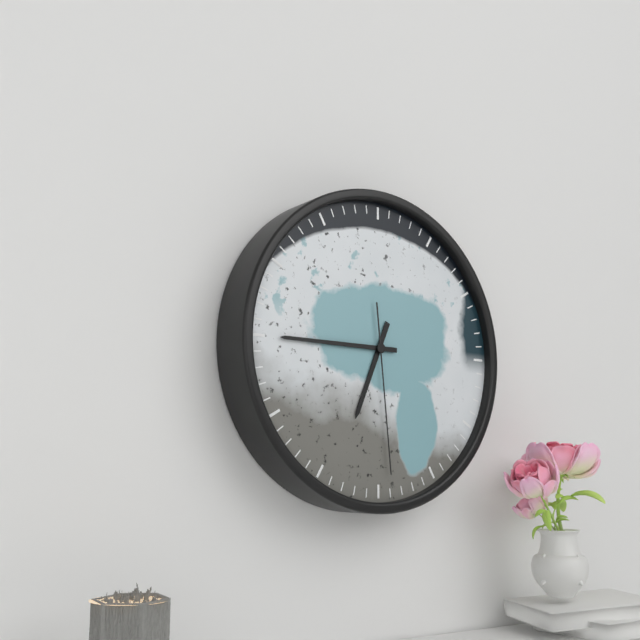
{"hour": 6, "minute": 45, "second": 29}
